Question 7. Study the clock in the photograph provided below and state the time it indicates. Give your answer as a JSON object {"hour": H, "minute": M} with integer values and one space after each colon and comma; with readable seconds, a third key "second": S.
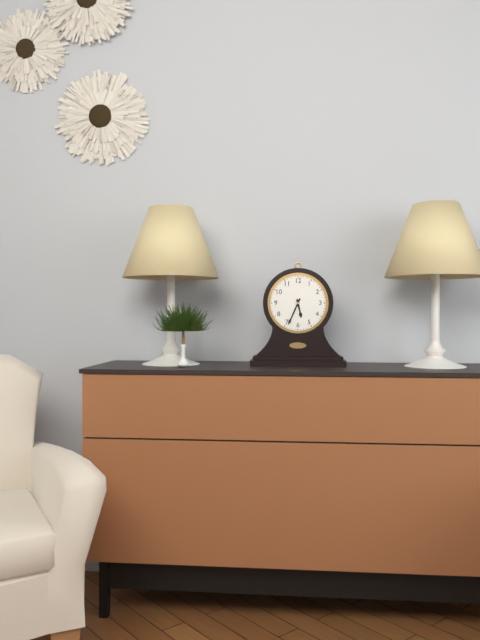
{"hour": 5, "minute": 34}
